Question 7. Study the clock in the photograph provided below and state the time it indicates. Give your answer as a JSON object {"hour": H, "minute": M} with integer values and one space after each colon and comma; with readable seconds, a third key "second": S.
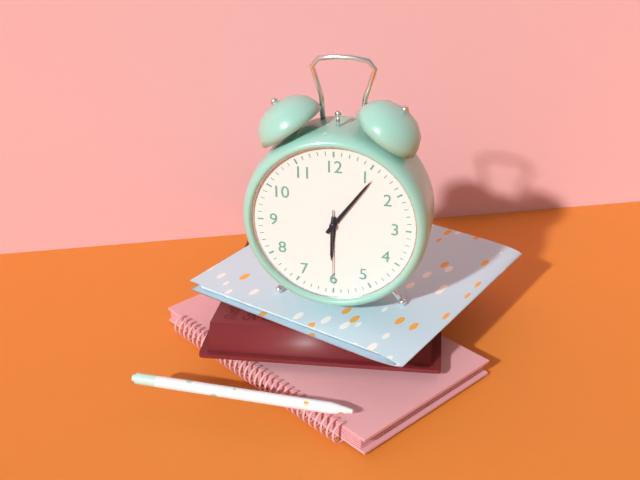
{"hour": 6, "minute": 6, "second": 30}
